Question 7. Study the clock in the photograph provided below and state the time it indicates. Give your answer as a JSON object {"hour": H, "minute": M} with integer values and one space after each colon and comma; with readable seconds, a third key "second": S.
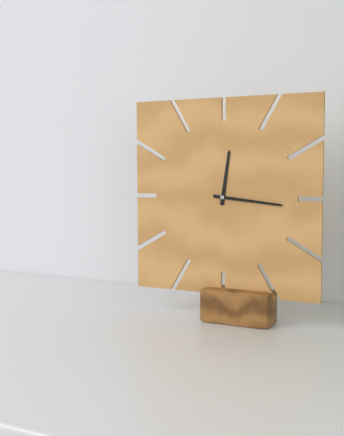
{"hour": 12, "minute": 16}
